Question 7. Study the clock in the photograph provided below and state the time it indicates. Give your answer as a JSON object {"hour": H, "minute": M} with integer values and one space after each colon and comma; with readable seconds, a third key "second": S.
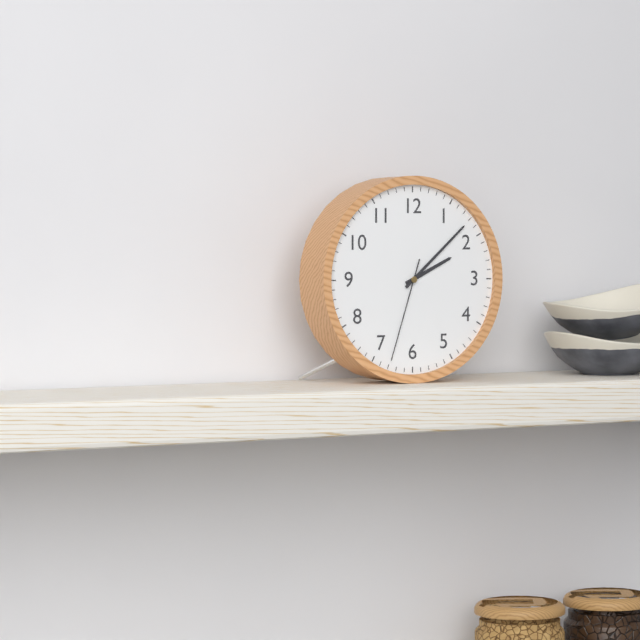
{"hour": 2, "minute": 8, "second": 33}
